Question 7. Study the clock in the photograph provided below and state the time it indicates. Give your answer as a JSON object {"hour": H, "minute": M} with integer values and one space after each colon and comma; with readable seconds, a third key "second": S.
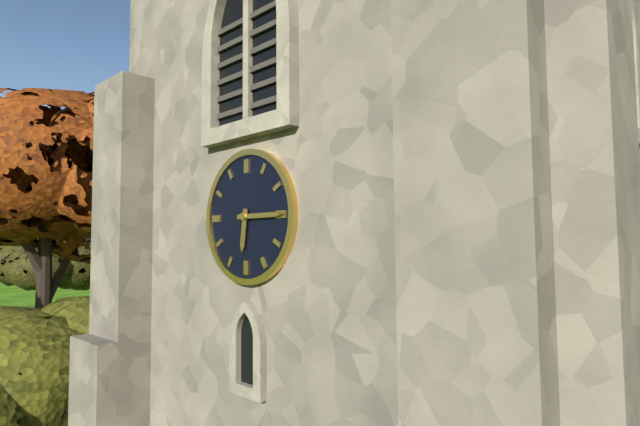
{"hour": 6, "minute": 15}
